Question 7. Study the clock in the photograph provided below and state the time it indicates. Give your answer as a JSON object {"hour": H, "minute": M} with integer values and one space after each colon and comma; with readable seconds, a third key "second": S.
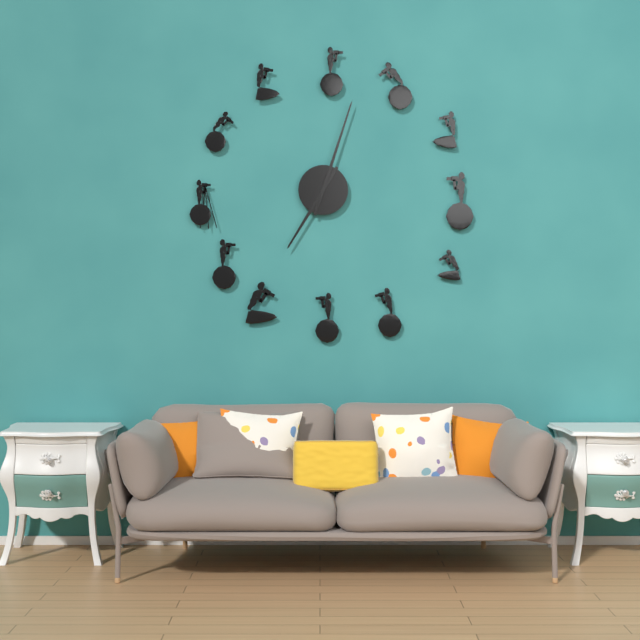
{"hour": 7, "minute": 3}
